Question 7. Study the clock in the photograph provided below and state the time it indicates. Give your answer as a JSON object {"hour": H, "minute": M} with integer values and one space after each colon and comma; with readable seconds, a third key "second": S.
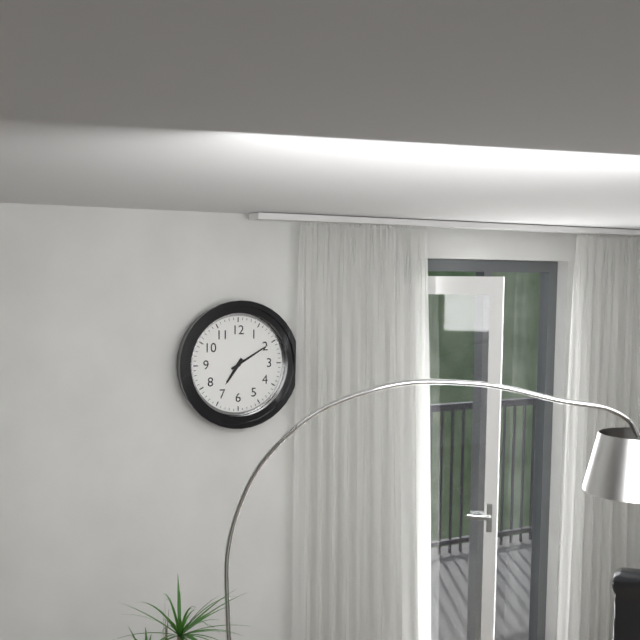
{"hour": 7, "minute": 10}
